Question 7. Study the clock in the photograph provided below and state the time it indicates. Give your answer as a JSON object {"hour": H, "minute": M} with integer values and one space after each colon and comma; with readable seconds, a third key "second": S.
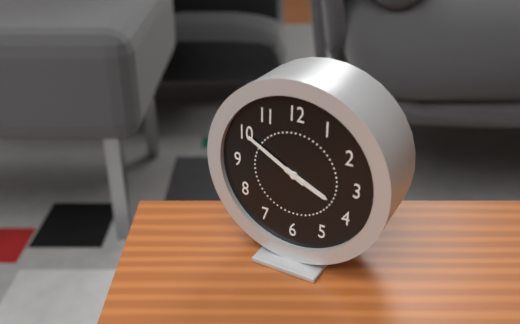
{"hour": 3, "minute": 50}
